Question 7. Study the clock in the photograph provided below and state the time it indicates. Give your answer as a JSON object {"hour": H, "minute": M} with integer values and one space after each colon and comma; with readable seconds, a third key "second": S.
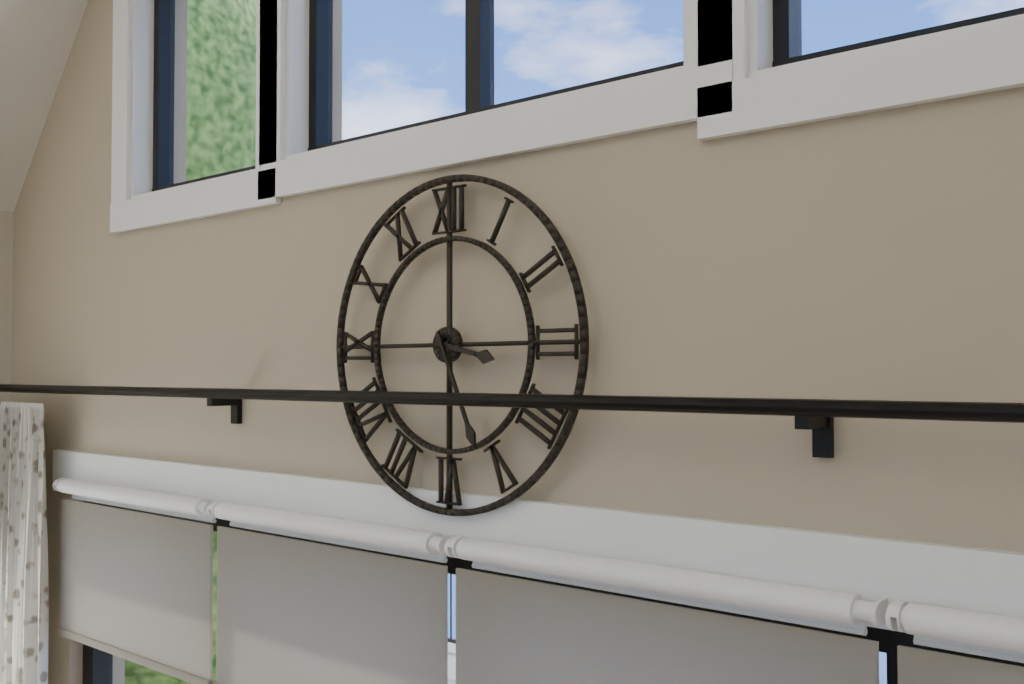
{"hour": 3, "minute": 26}
